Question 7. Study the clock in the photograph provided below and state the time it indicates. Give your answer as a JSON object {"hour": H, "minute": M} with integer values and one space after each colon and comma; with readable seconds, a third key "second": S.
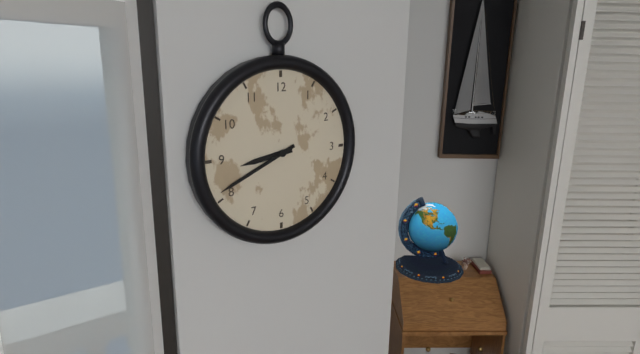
{"hour": 8, "minute": 41}
